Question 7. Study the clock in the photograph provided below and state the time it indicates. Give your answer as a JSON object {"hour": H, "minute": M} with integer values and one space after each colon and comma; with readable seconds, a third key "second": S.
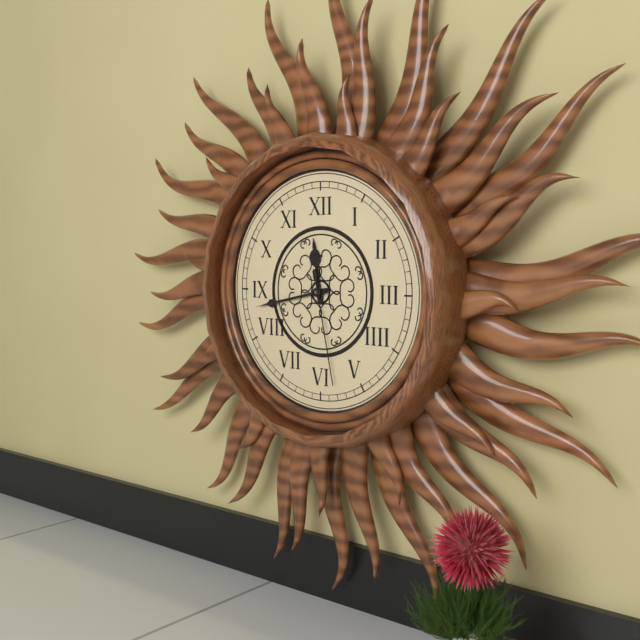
{"hour": 11, "minute": 43, "second": 28}
